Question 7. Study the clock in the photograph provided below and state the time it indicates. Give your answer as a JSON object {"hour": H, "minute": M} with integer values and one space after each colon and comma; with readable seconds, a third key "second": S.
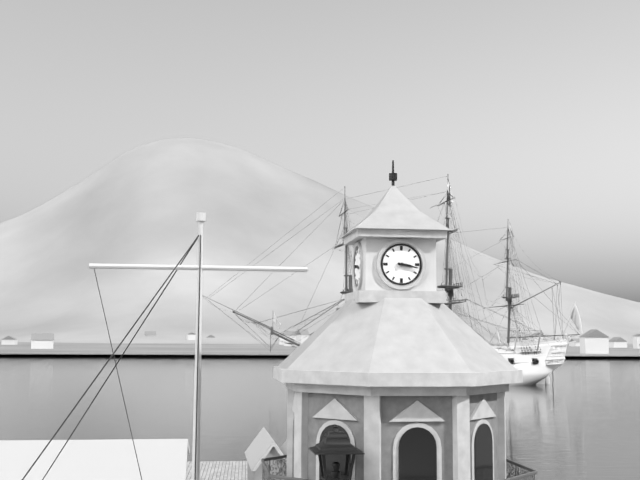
{"hour": 3, "minute": 17}
